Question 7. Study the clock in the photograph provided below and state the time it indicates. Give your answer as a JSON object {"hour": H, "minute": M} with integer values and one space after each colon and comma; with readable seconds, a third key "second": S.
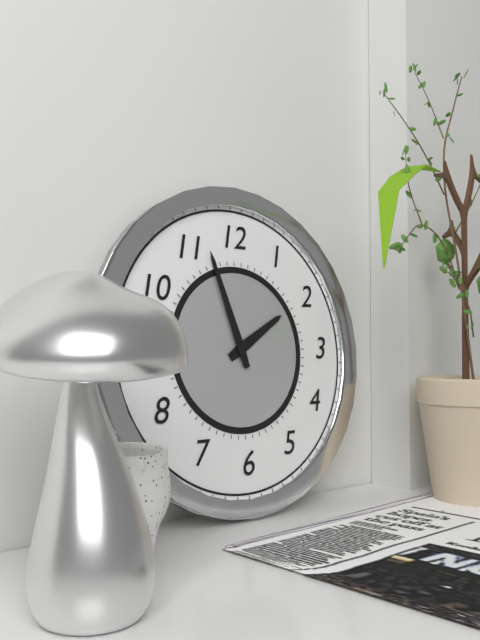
{"hour": 1, "minute": 57}
